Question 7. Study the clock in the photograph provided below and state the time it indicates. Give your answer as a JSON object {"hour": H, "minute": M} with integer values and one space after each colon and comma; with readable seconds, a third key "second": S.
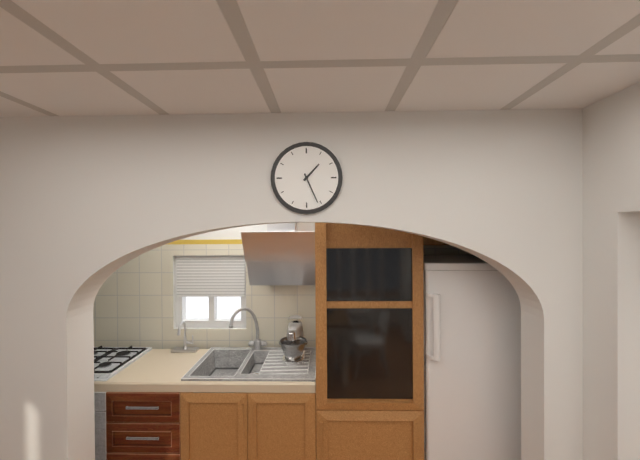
{"hour": 1, "minute": 26}
